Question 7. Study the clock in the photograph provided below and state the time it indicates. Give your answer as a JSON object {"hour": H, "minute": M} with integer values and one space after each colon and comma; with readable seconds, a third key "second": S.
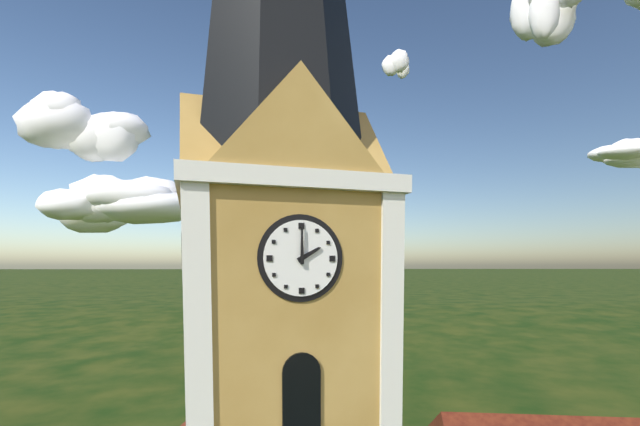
{"hour": 2, "minute": 0}
